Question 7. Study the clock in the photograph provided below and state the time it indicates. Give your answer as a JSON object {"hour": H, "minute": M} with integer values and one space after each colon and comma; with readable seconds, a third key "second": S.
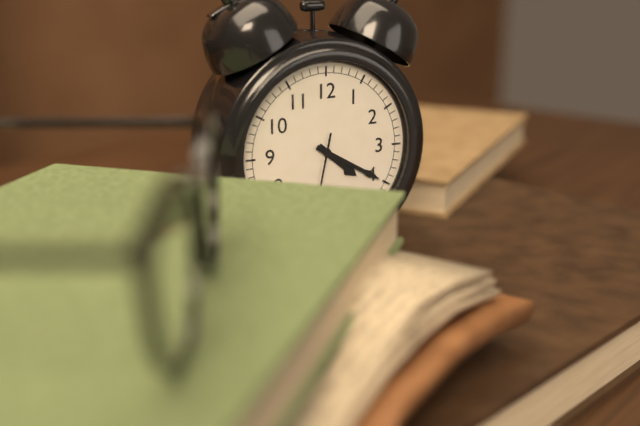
{"hour": 4, "minute": 20}
